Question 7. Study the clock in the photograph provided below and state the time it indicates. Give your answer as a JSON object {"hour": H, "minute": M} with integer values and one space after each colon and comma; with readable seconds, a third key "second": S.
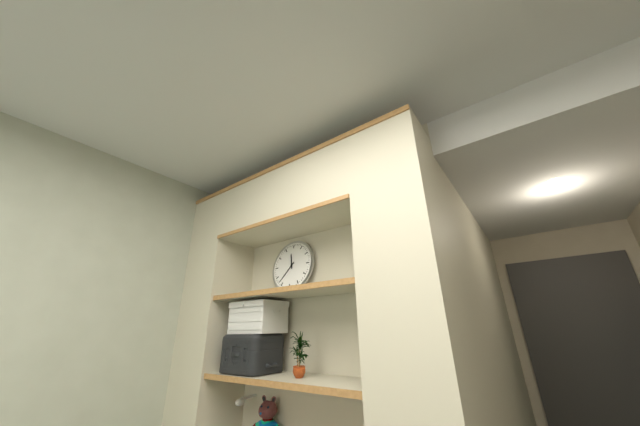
{"hour": 11, "minute": 37}
